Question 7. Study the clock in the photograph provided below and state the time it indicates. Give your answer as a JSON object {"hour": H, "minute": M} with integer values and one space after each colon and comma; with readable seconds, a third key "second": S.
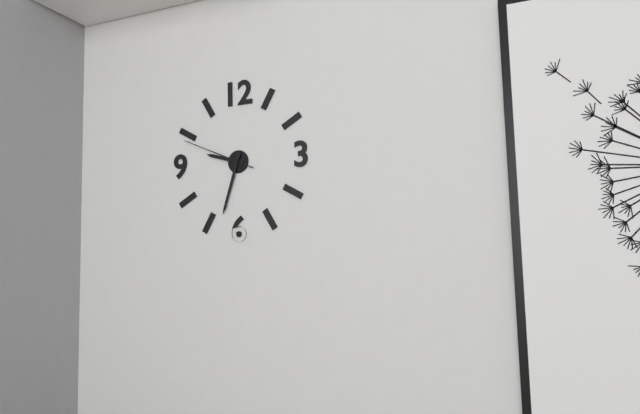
{"hour": 9, "minute": 33, "second": 49}
